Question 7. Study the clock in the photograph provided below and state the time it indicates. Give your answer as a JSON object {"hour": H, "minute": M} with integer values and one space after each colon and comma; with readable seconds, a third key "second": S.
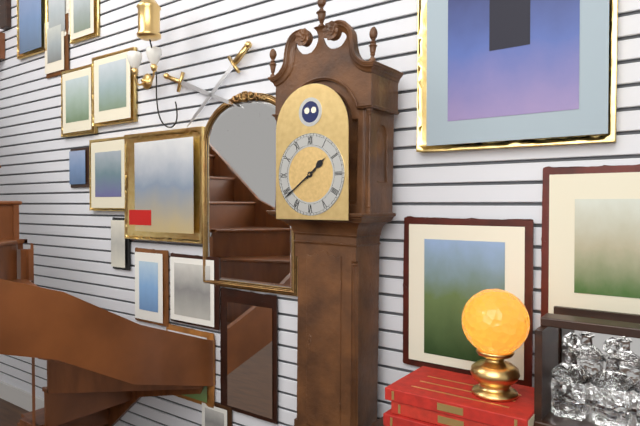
{"hour": 1, "minute": 39}
